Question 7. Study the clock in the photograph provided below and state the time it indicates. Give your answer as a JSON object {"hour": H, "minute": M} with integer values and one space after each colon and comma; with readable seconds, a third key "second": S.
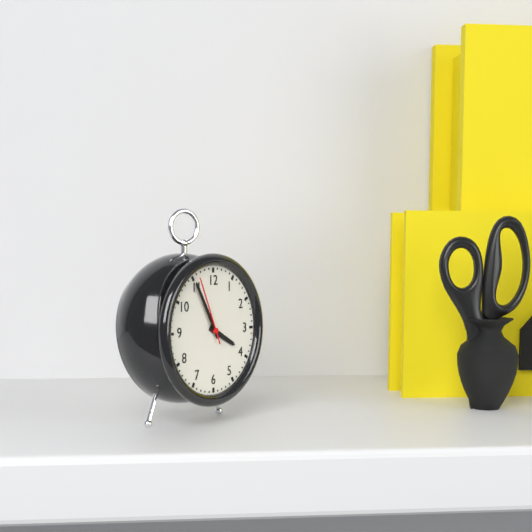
{"hour": 3, "minute": 55, "second": 56}
